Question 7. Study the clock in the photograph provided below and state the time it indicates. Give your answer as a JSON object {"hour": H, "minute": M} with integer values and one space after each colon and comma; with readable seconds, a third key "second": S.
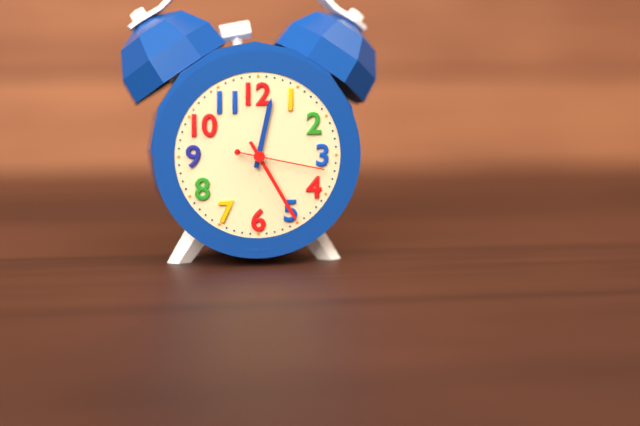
{"hour": 12, "minute": 25, "second": 17}
